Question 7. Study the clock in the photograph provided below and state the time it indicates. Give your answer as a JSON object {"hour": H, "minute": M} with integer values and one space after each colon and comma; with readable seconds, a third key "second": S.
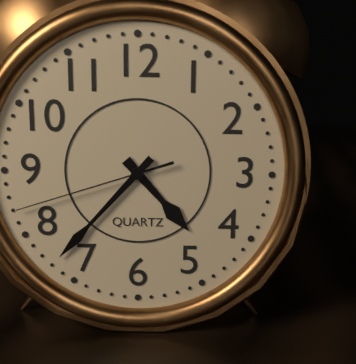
{"hour": 4, "minute": 37, "second": 42}
